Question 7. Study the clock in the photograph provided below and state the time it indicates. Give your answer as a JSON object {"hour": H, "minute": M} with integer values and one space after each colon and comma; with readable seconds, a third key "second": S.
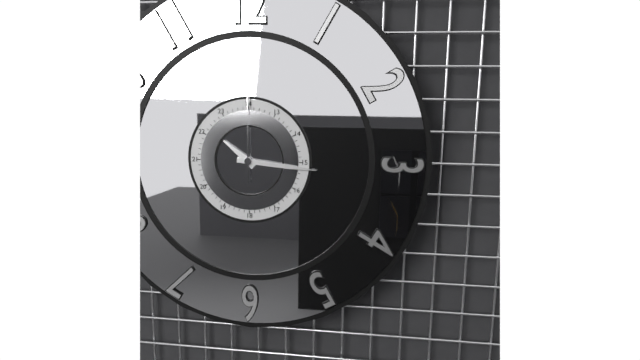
{"hour": 10, "minute": 16, "second": 0}
